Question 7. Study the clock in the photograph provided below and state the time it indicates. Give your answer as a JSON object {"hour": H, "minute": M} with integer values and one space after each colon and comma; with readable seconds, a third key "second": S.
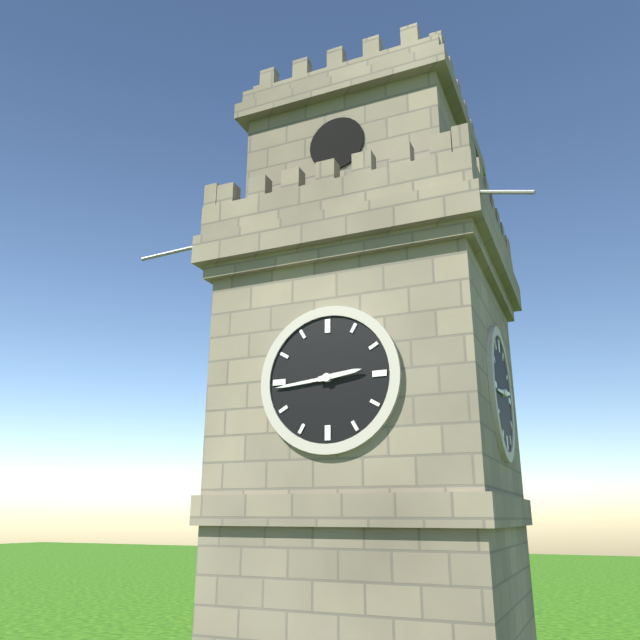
{"hour": 2, "minute": 44}
